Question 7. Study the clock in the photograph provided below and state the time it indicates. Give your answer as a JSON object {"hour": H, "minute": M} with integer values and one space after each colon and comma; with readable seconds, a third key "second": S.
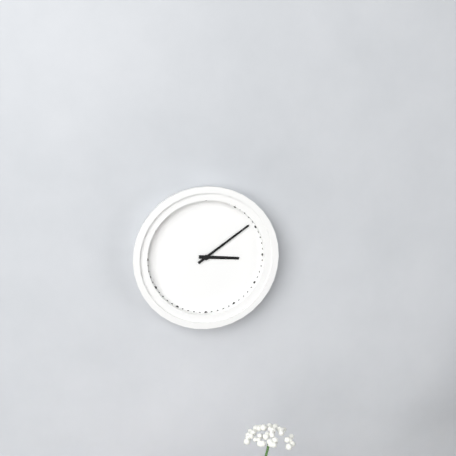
{"hour": 3, "minute": 9}
